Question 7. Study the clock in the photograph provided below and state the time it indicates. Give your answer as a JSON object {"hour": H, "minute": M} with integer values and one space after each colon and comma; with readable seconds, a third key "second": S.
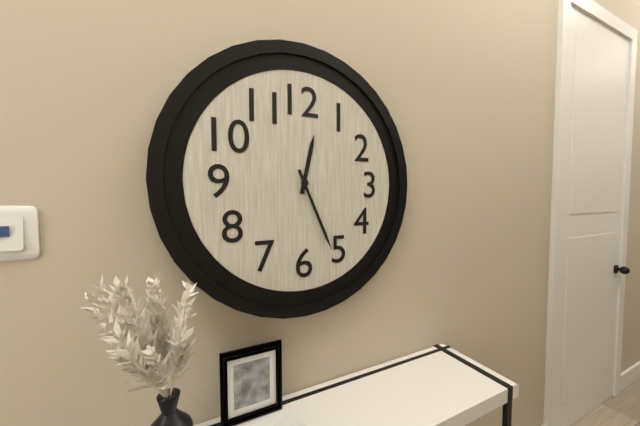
{"hour": 12, "minute": 26}
